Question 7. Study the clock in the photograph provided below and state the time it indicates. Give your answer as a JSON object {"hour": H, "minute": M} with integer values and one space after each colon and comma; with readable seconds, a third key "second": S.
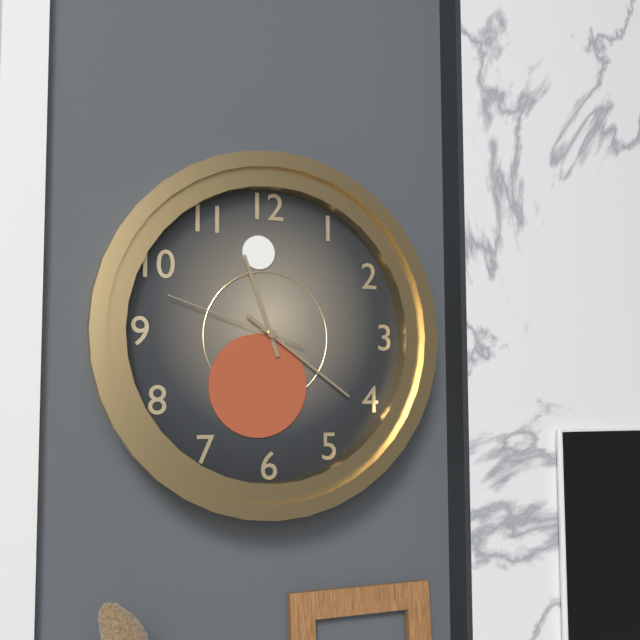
{"hour": 11, "minute": 21, "second": 48}
